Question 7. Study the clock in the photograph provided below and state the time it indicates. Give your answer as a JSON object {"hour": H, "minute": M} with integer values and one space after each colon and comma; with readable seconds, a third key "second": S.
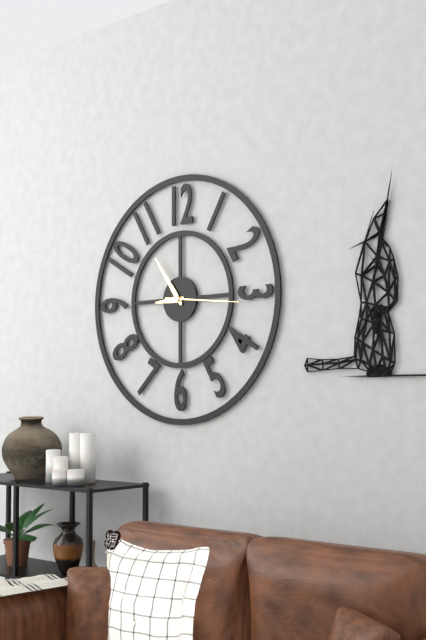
{"hour": 8, "minute": 54, "second": 16}
